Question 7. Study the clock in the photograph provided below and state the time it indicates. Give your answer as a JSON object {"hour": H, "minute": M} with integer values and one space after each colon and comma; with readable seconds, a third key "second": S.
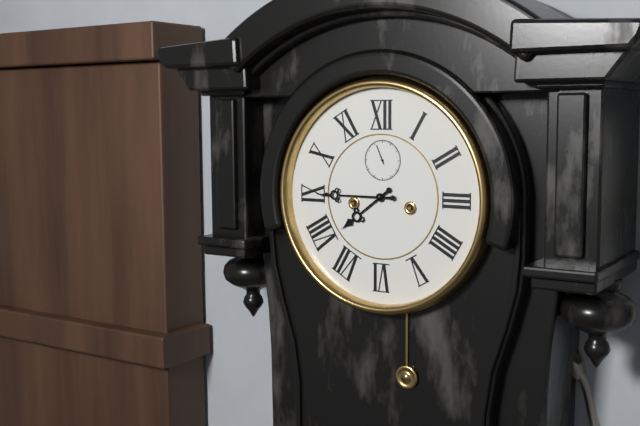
{"hour": 7, "minute": 45}
